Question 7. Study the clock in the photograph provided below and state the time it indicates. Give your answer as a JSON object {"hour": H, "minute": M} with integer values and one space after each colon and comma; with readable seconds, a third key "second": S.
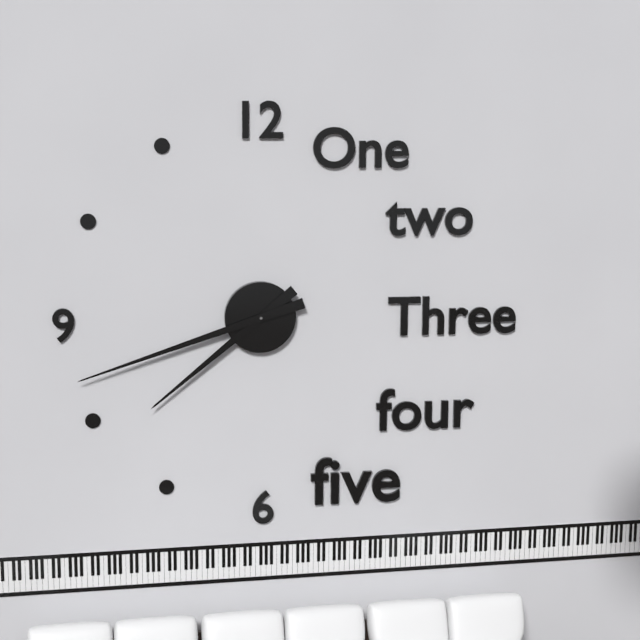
{"hour": 7, "minute": 42}
